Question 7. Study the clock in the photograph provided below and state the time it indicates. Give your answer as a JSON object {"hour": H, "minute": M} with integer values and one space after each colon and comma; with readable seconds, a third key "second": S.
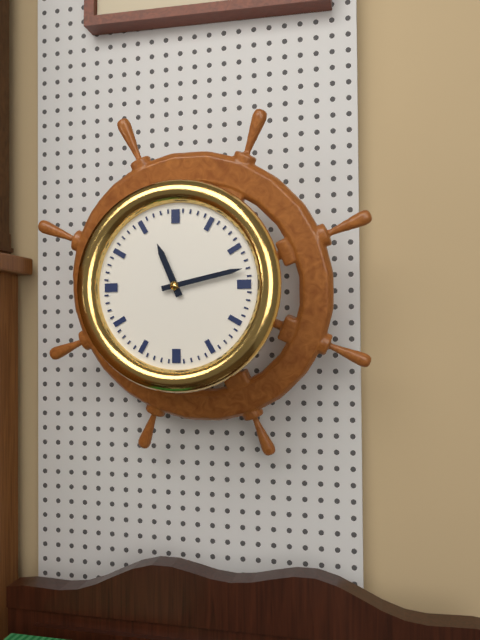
{"hour": 11, "minute": 13}
